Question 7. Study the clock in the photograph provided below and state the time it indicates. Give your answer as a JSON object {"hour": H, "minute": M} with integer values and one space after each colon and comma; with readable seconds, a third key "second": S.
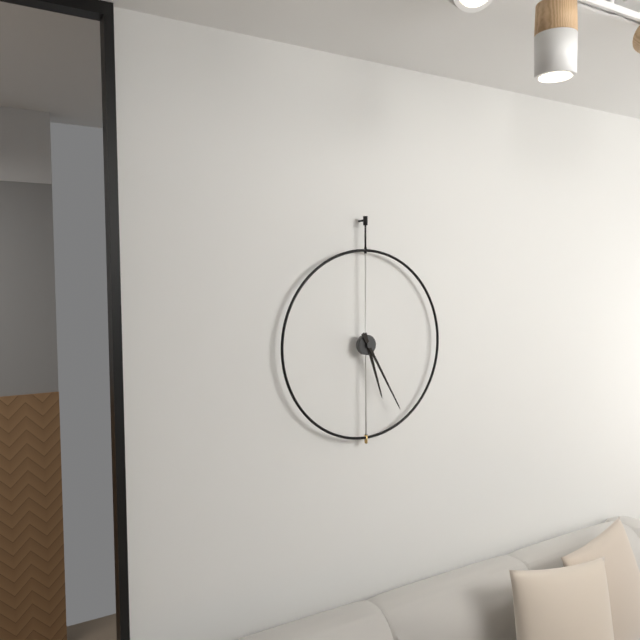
{"hour": 5, "minute": 25}
